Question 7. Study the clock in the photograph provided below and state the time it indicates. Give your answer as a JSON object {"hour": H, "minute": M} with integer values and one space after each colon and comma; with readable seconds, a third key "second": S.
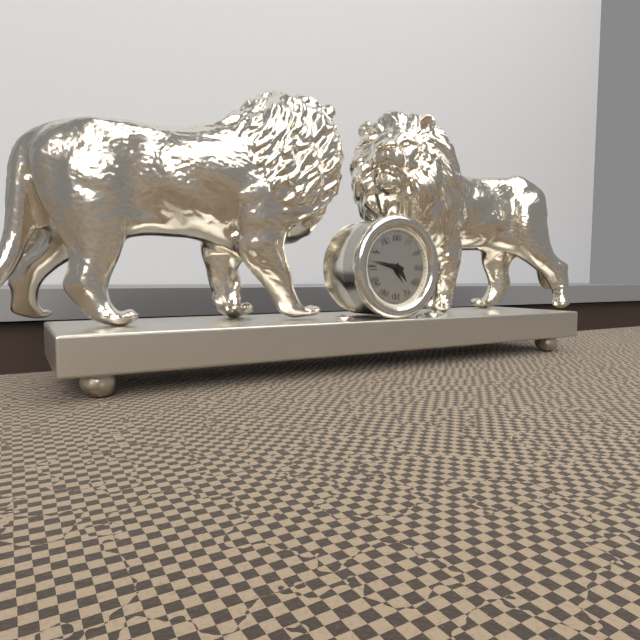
{"hour": 4, "minute": 47}
